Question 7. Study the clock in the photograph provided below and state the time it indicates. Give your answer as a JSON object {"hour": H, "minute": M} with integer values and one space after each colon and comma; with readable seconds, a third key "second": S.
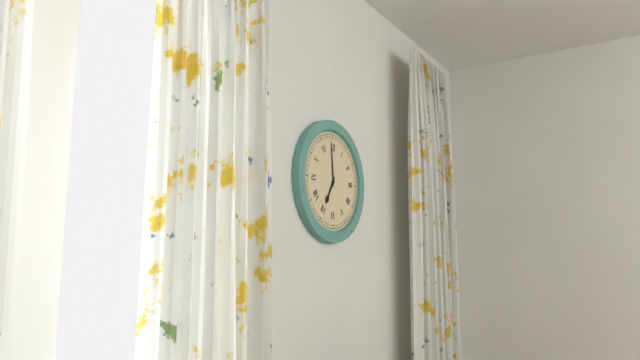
{"hour": 6, "minute": 59}
